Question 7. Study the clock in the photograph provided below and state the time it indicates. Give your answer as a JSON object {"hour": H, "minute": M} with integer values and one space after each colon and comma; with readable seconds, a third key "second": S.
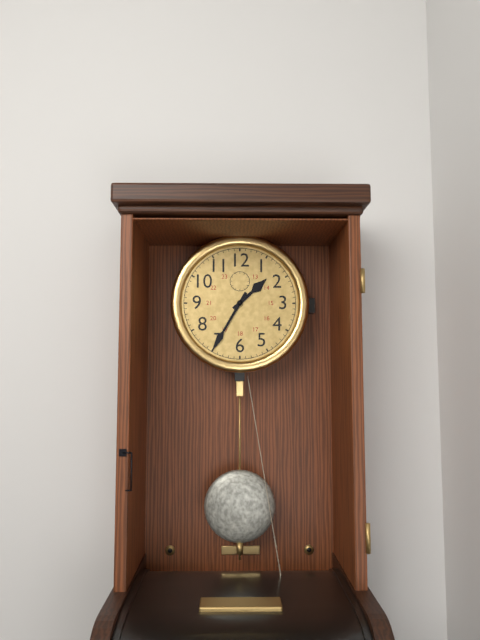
{"hour": 1, "minute": 35}
